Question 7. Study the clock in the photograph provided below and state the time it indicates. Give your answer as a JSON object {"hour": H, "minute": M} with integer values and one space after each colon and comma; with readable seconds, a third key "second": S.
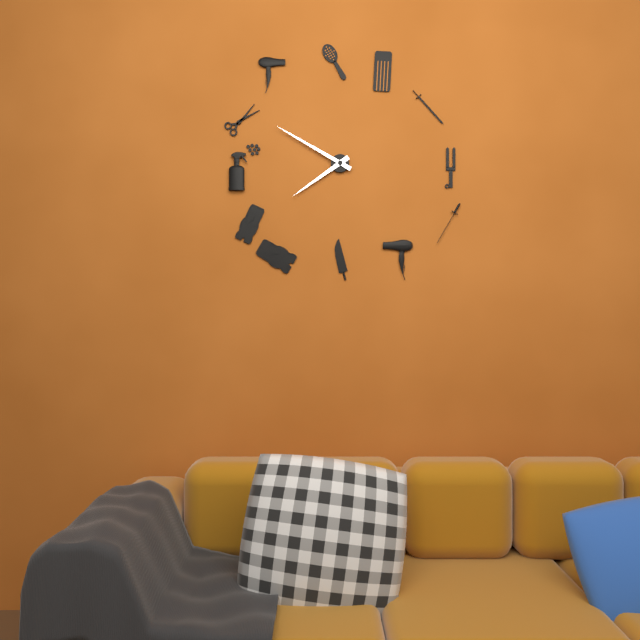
{"hour": 7, "minute": 50}
